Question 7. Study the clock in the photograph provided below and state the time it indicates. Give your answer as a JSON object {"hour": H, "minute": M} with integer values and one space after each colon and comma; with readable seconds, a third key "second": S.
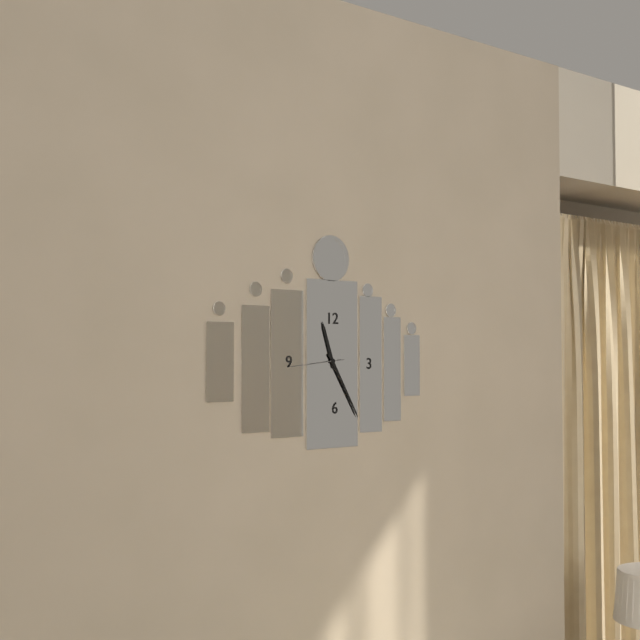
{"hour": 11, "minute": 25, "second": 44}
